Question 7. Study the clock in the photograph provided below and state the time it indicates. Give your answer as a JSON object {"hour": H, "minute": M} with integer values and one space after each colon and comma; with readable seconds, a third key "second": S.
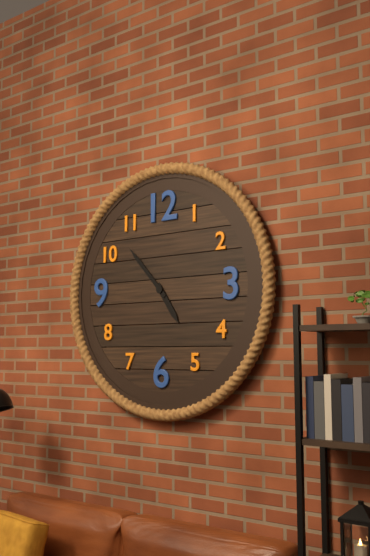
{"hour": 4, "minute": 53}
